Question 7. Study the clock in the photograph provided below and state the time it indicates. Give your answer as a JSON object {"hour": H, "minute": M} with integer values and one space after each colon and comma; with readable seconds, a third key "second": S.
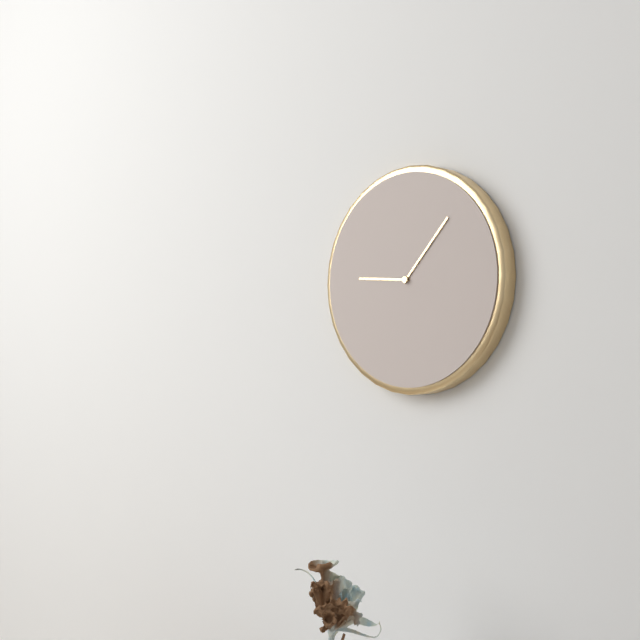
{"hour": 9, "minute": 7}
